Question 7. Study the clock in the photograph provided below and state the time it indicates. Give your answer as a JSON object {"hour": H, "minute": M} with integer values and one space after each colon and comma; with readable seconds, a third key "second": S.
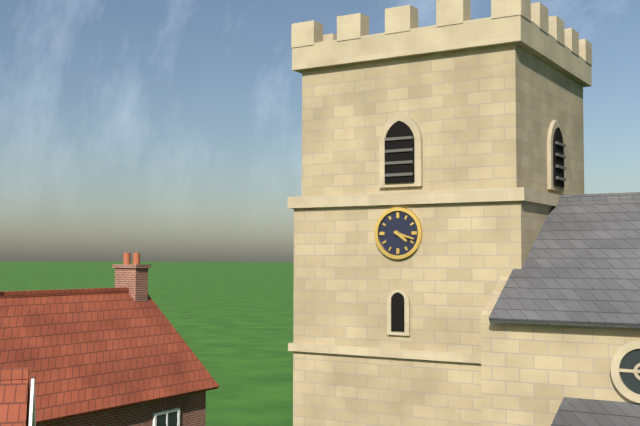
{"hour": 4, "minute": 18}
